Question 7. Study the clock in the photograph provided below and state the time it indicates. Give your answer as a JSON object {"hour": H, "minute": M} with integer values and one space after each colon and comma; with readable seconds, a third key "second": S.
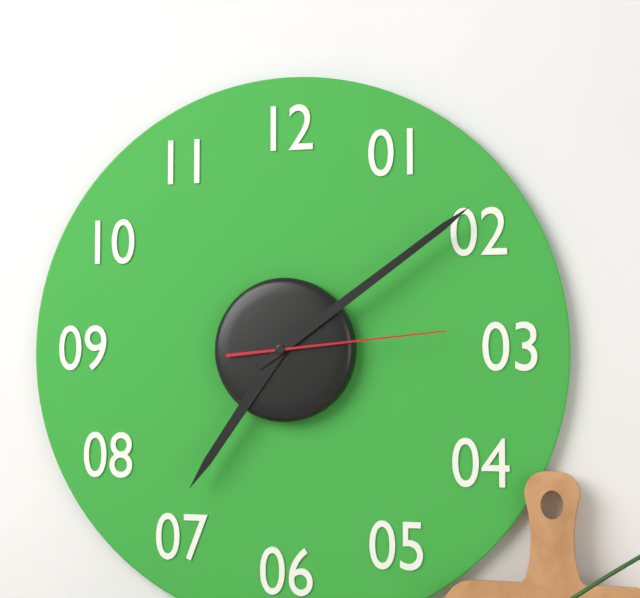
{"hour": 7, "minute": 9, "second": 14}
